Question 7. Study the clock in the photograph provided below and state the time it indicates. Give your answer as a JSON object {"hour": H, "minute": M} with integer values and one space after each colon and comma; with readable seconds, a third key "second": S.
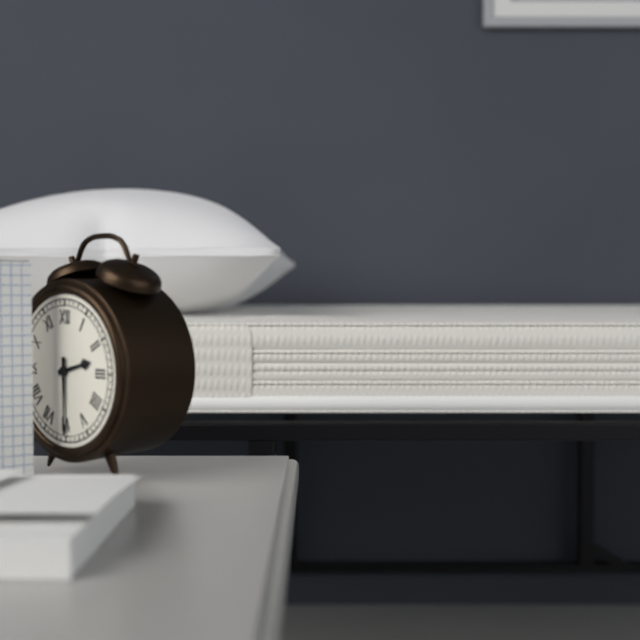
{"hour": 2, "minute": 30}
